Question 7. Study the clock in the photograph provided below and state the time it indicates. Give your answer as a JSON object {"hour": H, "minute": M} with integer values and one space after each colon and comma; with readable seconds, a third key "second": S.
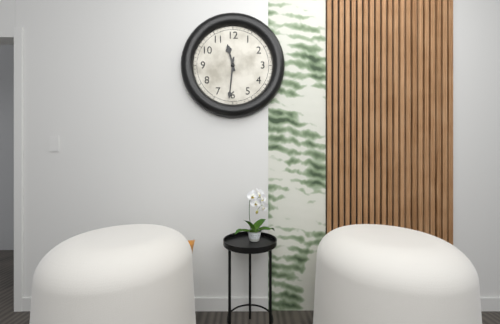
{"hour": 11, "minute": 31}
